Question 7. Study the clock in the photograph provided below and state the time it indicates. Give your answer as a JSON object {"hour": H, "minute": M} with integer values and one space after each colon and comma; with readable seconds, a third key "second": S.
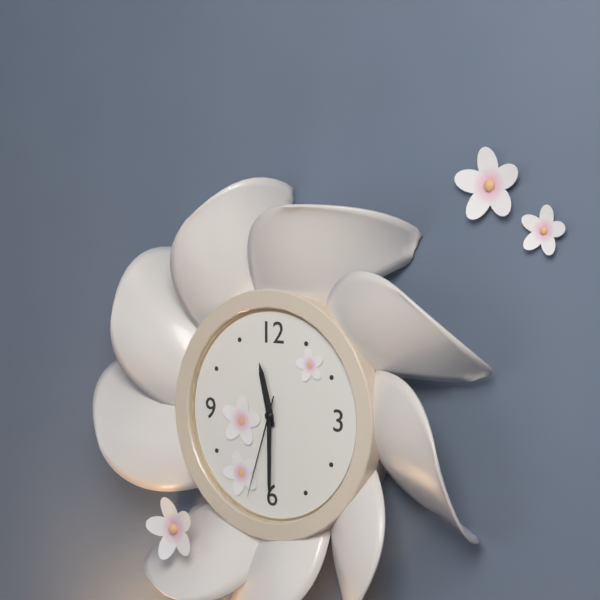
{"hour": 11, "minute": 30, "second": 33}
